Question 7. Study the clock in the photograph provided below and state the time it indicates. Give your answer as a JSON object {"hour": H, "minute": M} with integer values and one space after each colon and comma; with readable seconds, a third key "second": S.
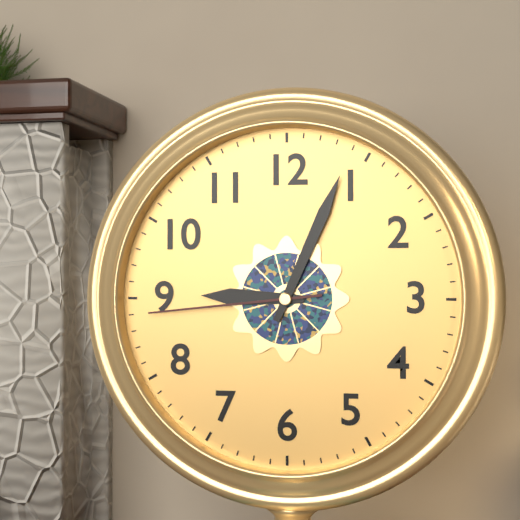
{"hour": 9, "minute": 4, "second": 44}
